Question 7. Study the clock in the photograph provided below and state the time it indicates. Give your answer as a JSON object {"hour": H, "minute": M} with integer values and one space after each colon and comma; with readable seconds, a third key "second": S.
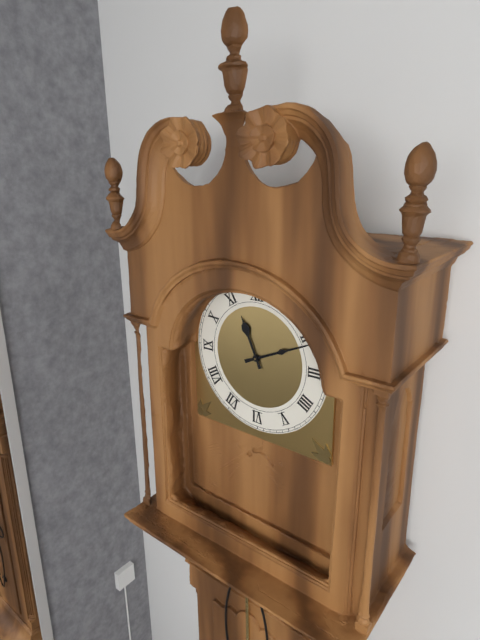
{"hour": 11, "minute": 11}
